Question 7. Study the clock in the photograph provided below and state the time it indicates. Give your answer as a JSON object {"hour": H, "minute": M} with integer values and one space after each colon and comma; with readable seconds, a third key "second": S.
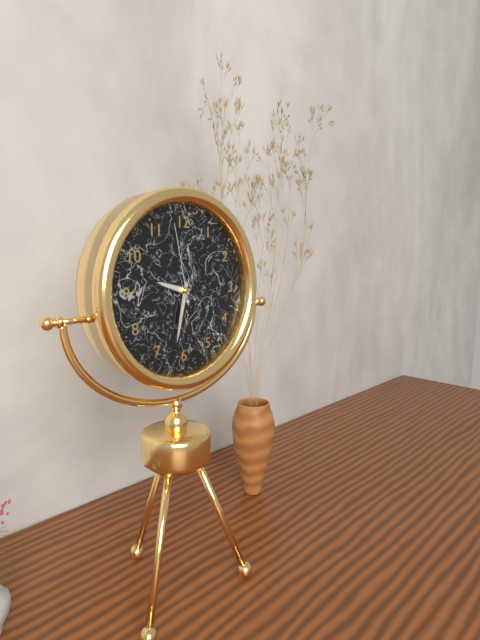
{"hour": 9, "minute": 32, "second": 58}
